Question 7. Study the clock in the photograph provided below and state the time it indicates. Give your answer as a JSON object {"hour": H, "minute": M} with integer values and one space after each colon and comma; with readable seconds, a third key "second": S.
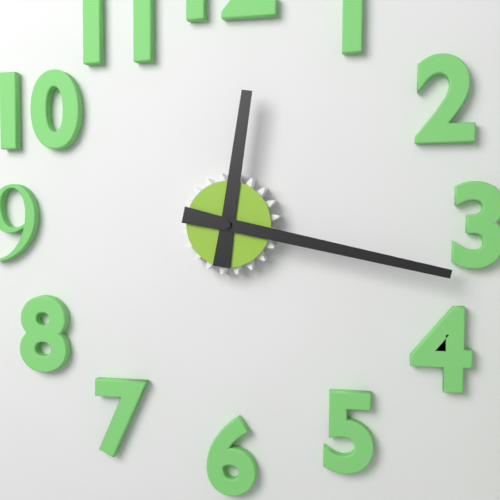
{"hour": 12, "minute": 17}
